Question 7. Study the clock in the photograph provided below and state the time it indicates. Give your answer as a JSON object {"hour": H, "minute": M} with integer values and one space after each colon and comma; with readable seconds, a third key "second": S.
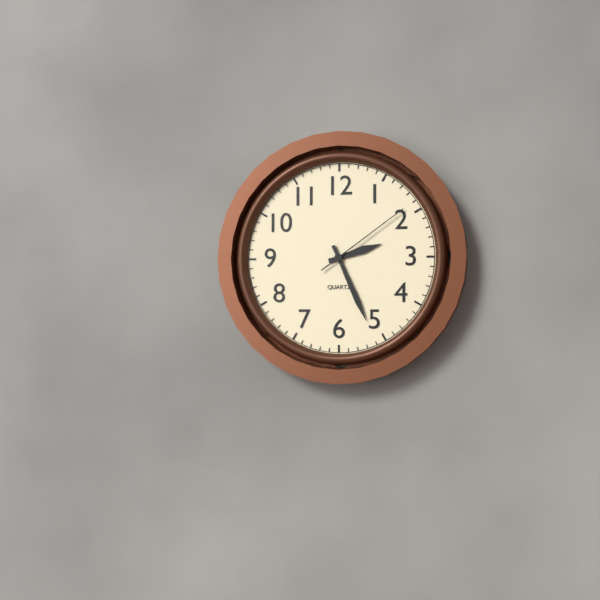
{"hour": 2, "minute": 26, "second": 9}
